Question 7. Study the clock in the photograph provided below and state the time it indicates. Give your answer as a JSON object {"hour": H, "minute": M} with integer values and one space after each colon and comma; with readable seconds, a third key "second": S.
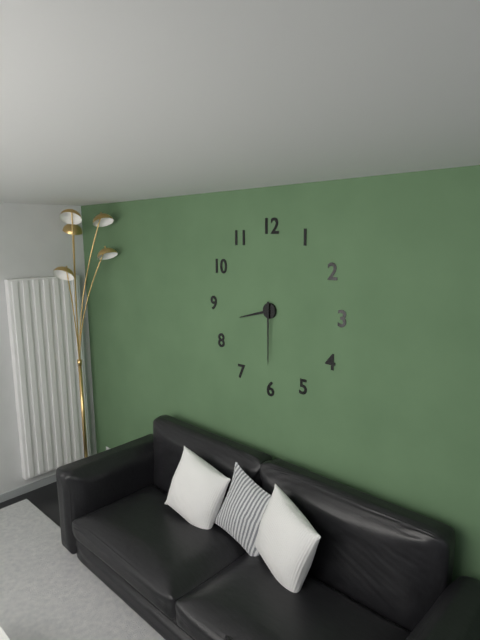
{"hour": 8, "minute": 30}
